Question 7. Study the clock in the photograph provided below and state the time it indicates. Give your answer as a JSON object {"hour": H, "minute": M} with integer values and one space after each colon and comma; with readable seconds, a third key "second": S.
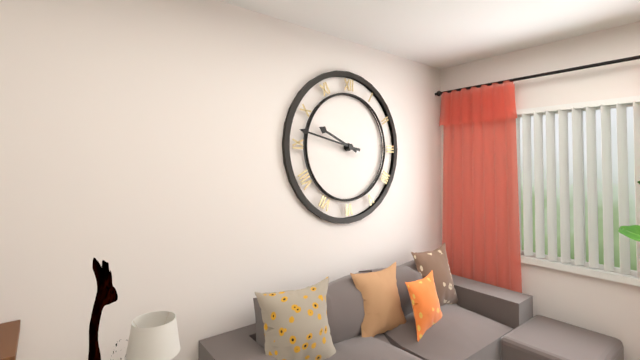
{"hour": 9, "minute": 47}
